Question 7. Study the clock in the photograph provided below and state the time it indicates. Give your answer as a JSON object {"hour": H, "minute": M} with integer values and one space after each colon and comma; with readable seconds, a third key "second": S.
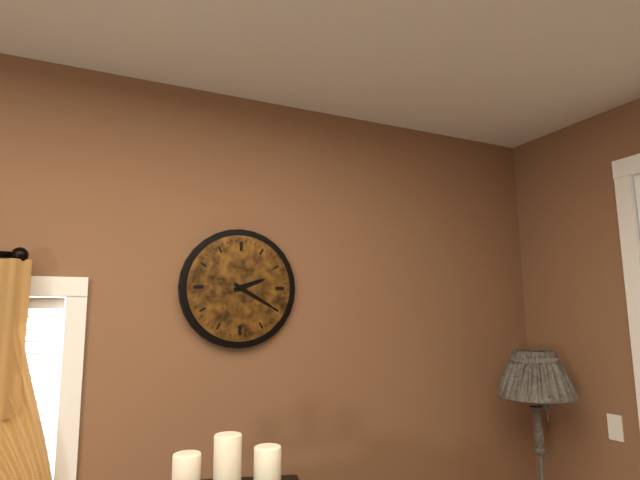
{"hour": 2, "minute": 20}
